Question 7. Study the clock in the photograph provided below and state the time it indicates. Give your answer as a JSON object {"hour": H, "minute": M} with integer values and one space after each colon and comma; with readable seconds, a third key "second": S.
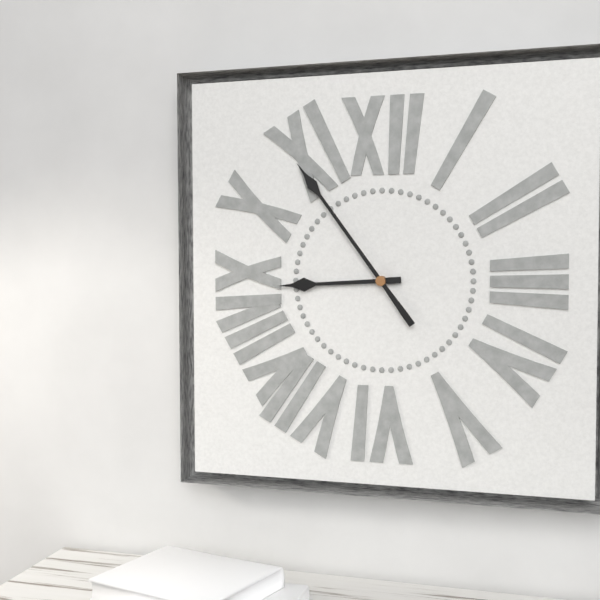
{"hour": 8, "minute": 54}
